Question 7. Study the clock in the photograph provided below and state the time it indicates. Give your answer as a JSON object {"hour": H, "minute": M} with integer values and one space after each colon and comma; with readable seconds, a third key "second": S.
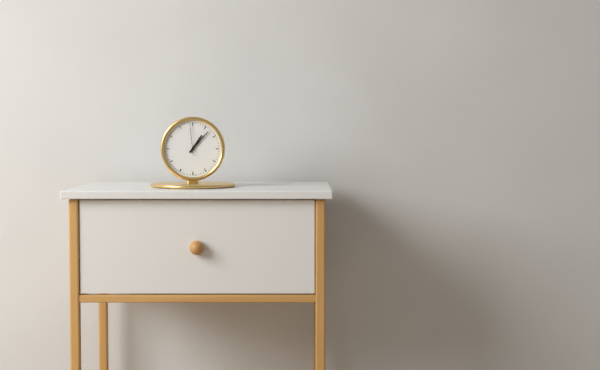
{"hour": 1, "minute": 7}
